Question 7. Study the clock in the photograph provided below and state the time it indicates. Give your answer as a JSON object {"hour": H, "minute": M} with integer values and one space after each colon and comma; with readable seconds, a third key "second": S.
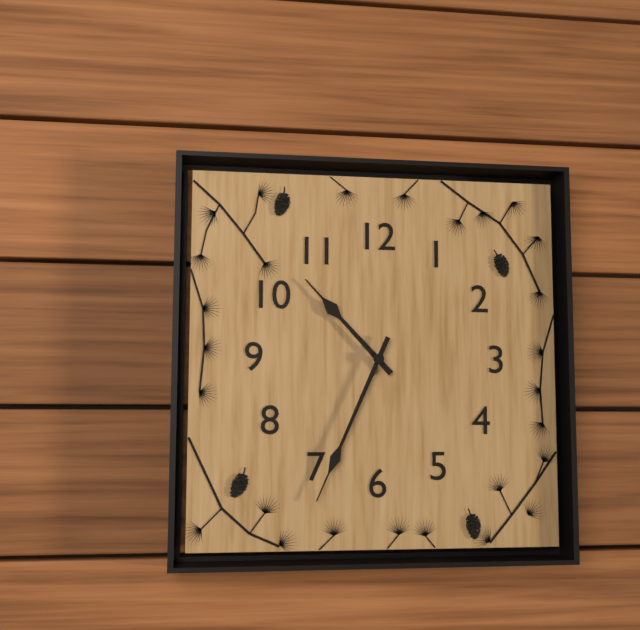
{"hour": 10, "minute": 34}
